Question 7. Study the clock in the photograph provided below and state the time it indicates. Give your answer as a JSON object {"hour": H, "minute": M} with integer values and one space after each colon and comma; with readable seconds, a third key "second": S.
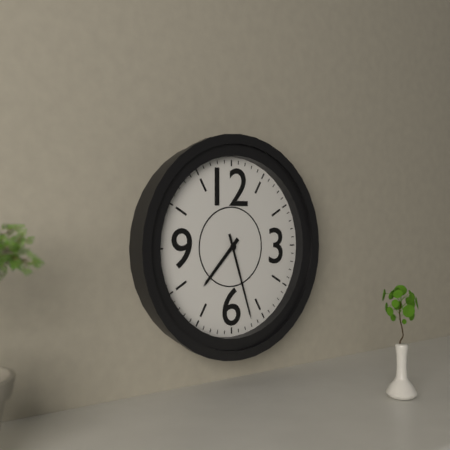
{"hour": 7, "minute": 27}
